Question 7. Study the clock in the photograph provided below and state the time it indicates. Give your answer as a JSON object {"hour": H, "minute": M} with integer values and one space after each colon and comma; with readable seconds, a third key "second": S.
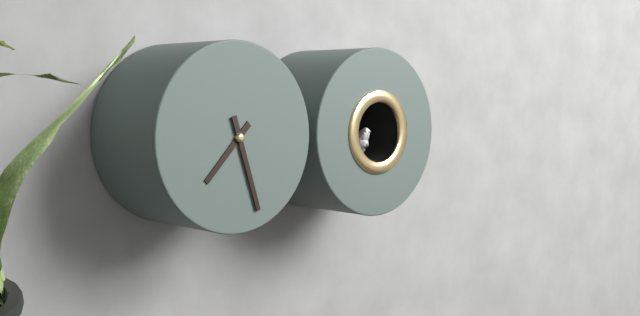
{"hour": 7, "minute": 27}
